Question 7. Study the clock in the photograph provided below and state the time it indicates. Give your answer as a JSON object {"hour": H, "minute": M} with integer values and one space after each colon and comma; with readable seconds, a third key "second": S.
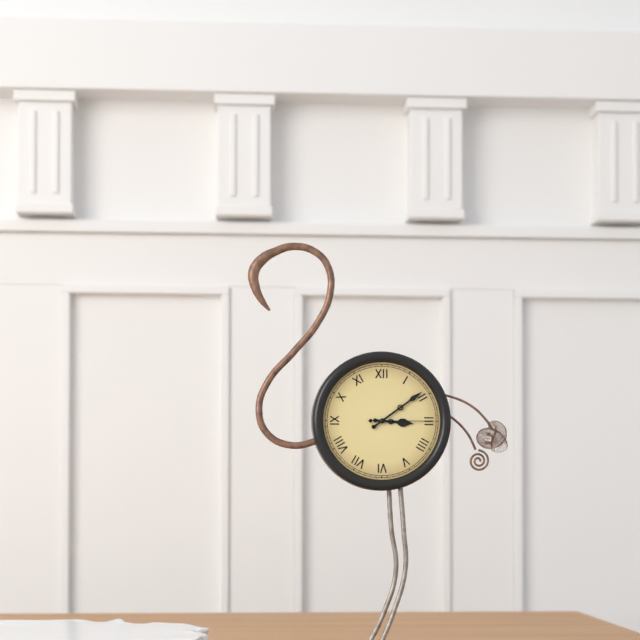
{"hour": 3, "minute": 9, "second": 15}
